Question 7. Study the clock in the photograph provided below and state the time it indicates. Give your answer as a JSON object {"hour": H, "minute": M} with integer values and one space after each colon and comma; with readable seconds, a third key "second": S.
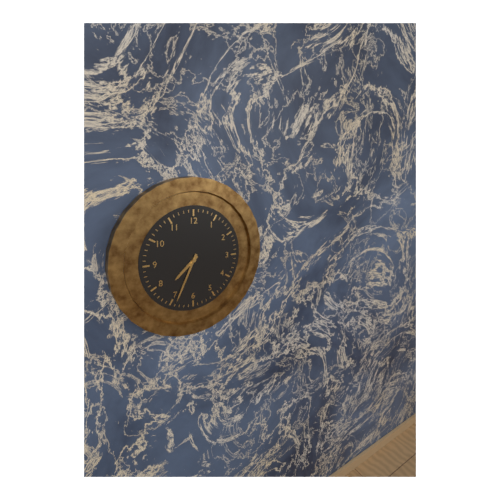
{"hour": 7, "minute": 34}
